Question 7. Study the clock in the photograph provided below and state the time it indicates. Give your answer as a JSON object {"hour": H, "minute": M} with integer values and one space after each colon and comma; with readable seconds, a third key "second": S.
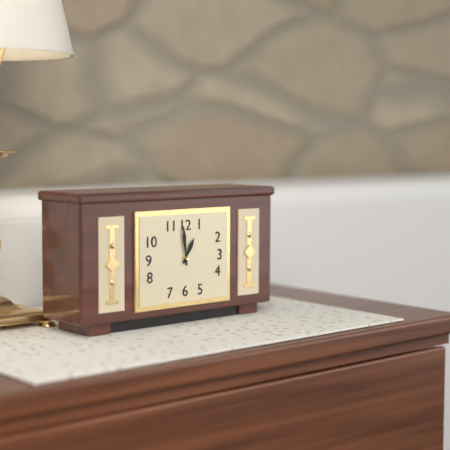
{"hour": 12, "minute": 59}
